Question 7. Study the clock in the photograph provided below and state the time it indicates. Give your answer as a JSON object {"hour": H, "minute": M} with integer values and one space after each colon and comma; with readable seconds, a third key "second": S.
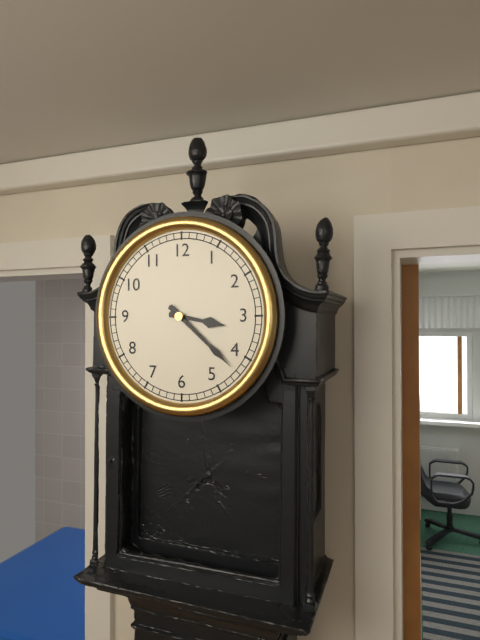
{"hour": 3, "minute": 22}
